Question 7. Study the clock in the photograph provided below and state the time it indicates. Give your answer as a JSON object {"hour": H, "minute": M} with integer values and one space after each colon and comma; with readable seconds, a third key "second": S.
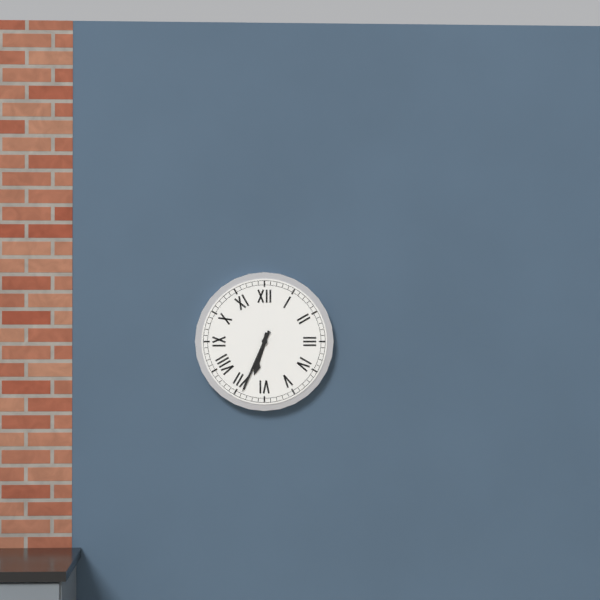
{"hour": 6, "minute": 34}
